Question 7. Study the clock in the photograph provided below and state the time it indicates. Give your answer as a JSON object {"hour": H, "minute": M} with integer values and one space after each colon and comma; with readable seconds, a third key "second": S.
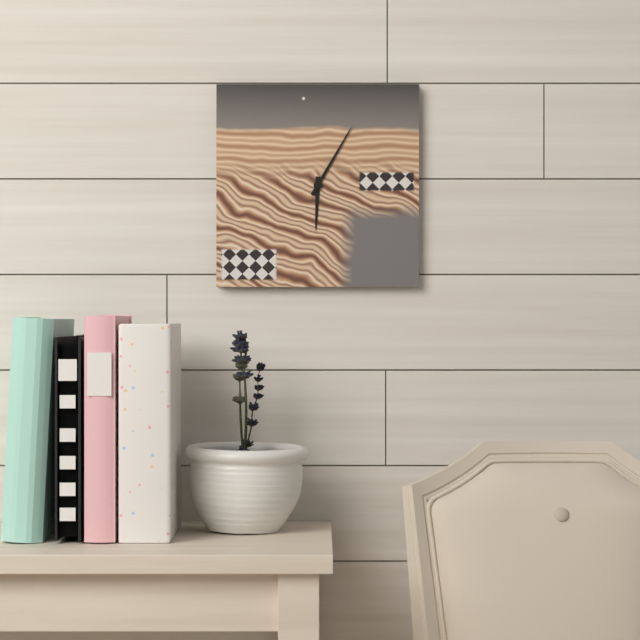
{"hour": 6, "minute": 5}
